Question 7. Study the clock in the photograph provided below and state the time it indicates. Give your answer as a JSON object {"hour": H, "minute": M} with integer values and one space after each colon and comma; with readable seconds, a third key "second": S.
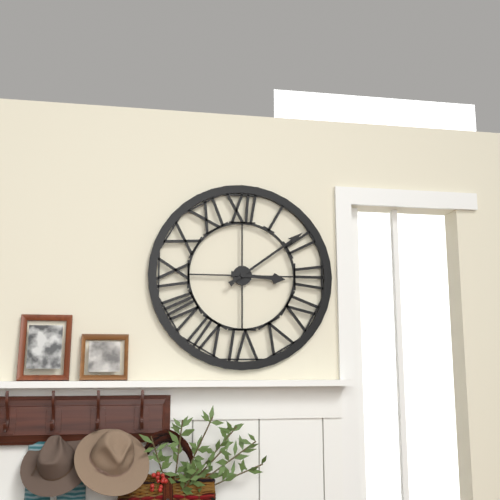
{"hour": 3, "minute": 9}
